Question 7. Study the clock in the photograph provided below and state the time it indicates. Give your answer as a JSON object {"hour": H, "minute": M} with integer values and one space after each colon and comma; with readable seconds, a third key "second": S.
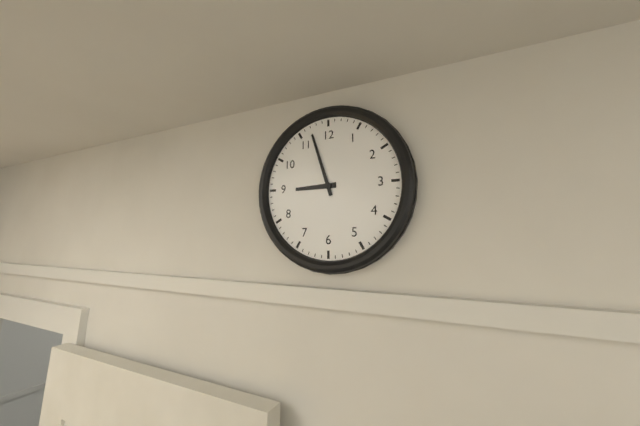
{"hour": 8, "minute": 57}
